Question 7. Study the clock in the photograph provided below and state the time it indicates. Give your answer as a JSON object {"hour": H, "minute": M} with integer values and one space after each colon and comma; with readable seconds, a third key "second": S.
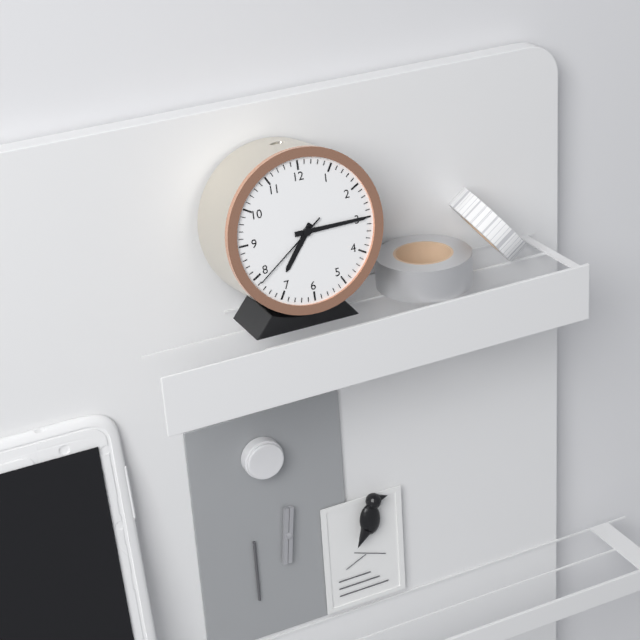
{"hour": 7, "minute": 15, "second": 39}
